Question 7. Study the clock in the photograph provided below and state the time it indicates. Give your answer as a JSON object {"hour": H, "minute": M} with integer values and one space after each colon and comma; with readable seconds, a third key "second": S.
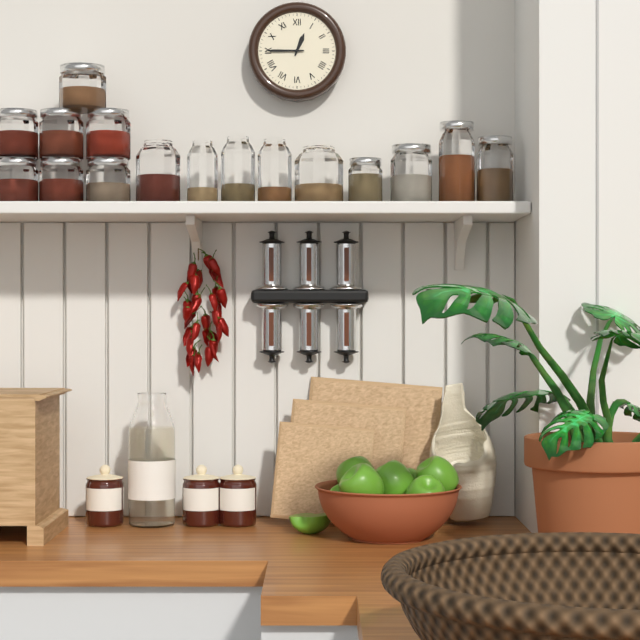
{"hour": 12, "minute": 45}
